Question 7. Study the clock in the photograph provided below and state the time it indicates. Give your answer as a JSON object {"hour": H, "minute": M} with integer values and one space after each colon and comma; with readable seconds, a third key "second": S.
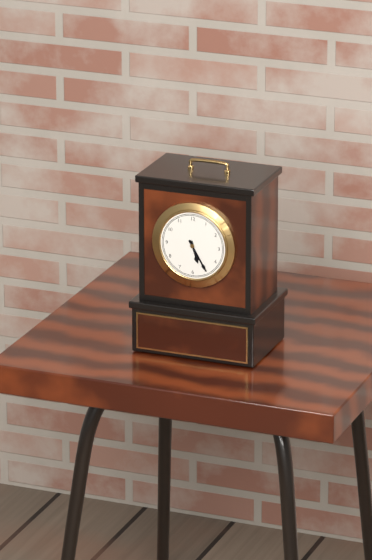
{"hour": 5, "minute": 25}
